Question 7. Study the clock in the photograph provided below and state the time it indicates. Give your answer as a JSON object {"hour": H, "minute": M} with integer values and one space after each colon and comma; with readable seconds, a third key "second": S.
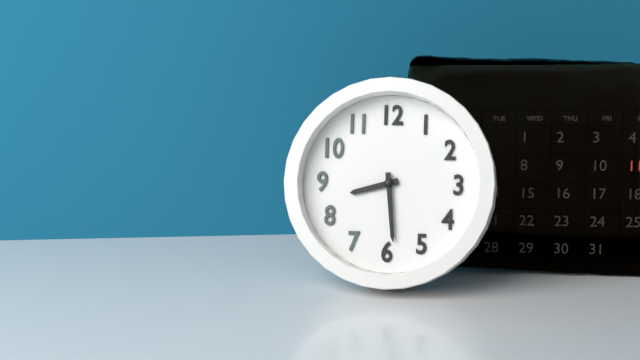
{"hour": 8, "minute": 29}
